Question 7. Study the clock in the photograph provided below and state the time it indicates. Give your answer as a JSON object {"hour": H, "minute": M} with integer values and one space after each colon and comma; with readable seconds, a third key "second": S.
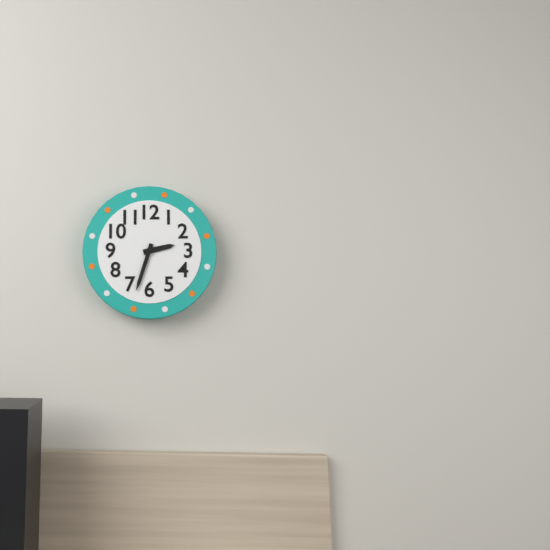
{"hour": 2, "minute": 33}
